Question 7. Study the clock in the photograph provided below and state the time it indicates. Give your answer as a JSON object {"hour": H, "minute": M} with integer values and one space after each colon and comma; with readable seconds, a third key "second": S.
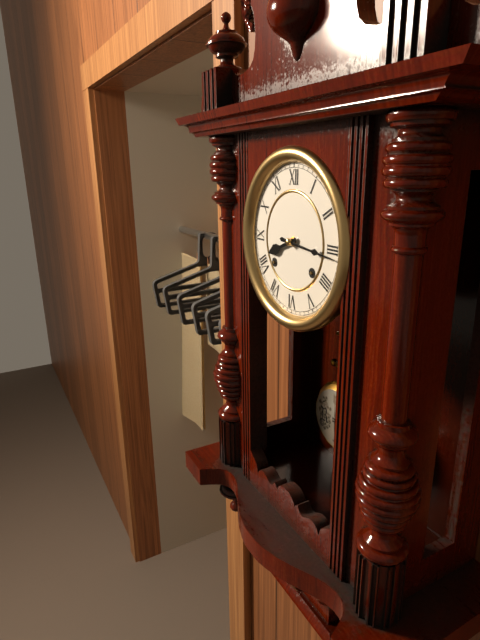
{"hour": 8, "minute": 16}
